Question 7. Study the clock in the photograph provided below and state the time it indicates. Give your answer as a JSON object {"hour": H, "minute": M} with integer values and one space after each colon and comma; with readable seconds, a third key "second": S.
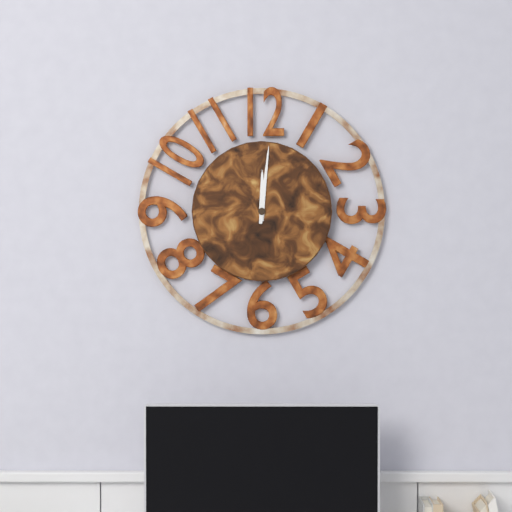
{"hour": 12, "minute": 1}
